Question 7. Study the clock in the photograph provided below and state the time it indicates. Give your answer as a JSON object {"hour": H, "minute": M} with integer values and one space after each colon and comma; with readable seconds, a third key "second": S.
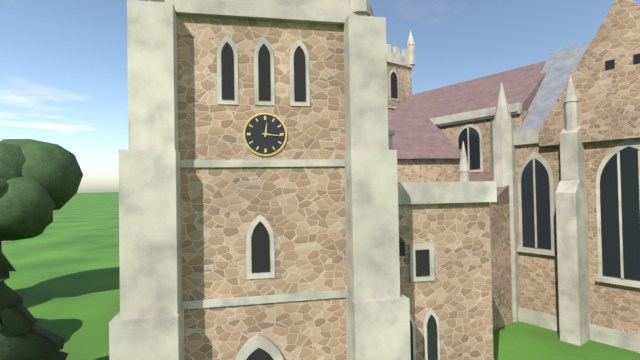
{"hour": 12, "minute": 16}
